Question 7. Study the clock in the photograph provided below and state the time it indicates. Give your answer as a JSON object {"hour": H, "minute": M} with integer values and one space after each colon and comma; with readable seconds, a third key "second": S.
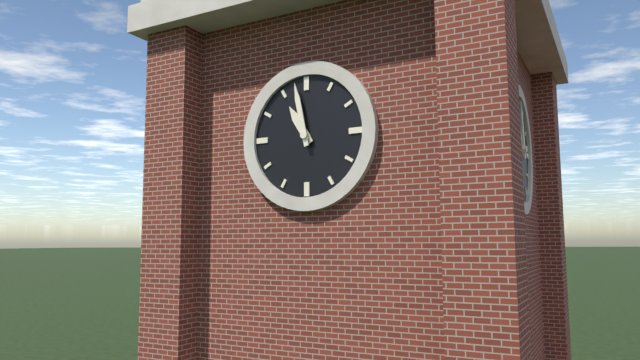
{"hour": 10, "minute": 58}
